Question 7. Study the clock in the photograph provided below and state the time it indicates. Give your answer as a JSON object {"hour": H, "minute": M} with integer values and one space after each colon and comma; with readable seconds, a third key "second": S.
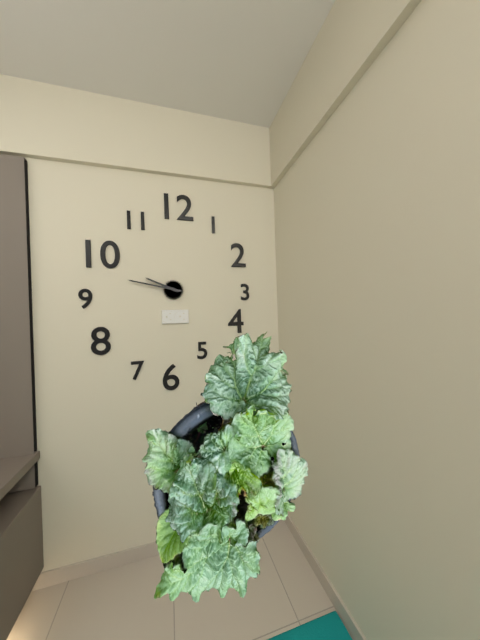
{"hour": 9, "minute": 47}
